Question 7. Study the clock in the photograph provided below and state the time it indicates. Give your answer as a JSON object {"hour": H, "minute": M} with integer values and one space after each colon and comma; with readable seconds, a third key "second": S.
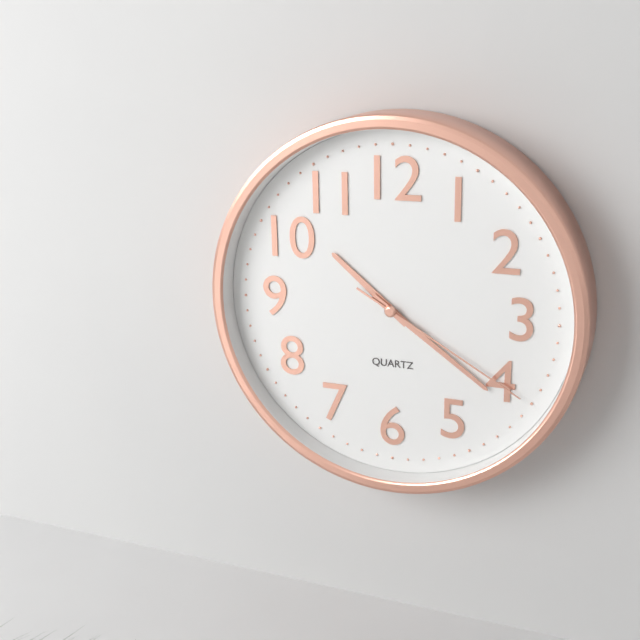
{"hour": 10, "minute": 21, "second": 20}
